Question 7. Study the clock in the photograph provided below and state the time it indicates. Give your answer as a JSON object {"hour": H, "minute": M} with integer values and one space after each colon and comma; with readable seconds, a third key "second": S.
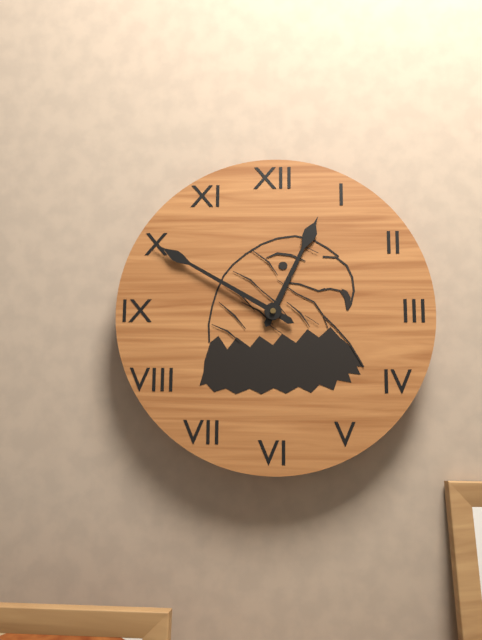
{"hour": 12, "minute": 50}
